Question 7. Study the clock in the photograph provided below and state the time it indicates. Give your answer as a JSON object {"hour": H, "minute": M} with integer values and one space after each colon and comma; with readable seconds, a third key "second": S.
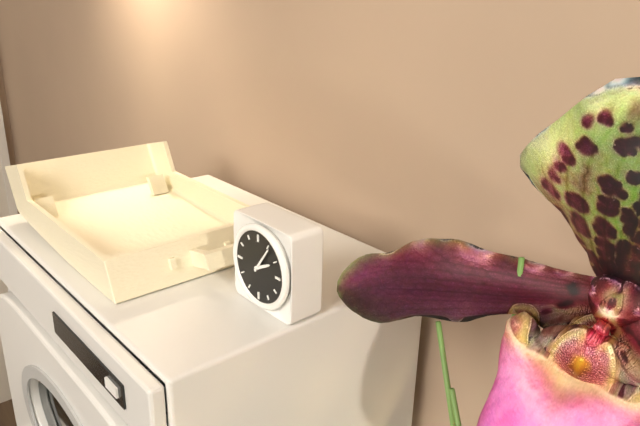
{"hour": 2, "minute": 6}
